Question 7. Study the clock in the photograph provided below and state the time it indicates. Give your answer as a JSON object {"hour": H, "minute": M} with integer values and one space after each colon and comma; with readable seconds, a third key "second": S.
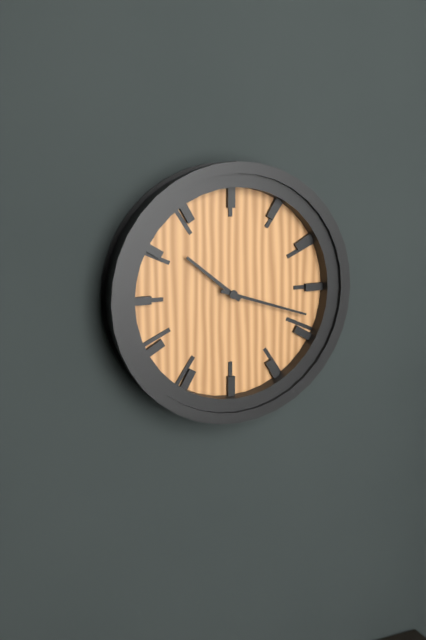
{"hour": 10, "minute": 18}
